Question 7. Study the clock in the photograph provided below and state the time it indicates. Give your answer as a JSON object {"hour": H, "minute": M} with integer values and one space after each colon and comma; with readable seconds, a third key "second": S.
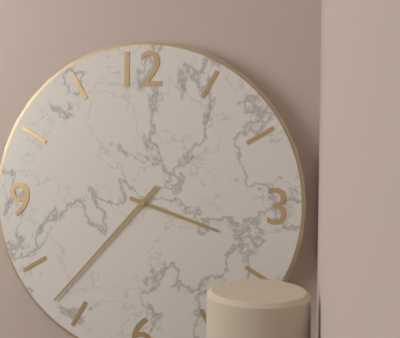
{"hour": 3, "minute": 37}
